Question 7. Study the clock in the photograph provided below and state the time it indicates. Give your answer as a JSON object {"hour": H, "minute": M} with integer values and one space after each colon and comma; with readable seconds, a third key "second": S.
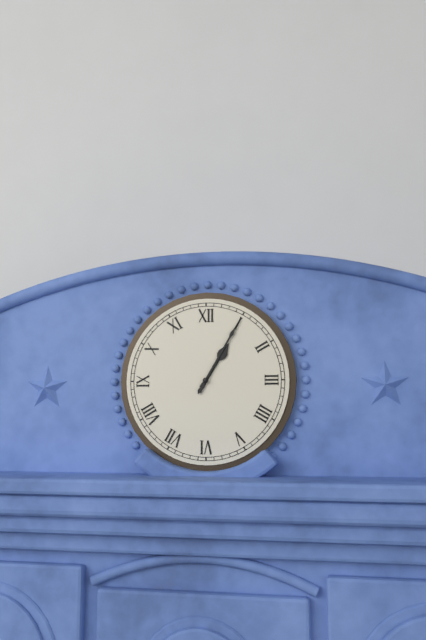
{"hour": 1, "minute": 5}
